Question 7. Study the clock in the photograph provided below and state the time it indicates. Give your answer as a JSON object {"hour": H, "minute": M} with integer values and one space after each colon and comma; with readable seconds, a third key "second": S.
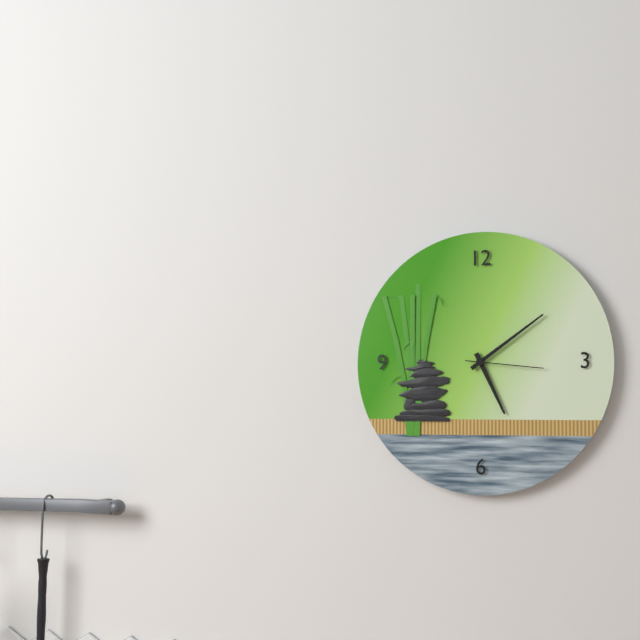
{"hour": 5, "minute": 9, "second": 16}
